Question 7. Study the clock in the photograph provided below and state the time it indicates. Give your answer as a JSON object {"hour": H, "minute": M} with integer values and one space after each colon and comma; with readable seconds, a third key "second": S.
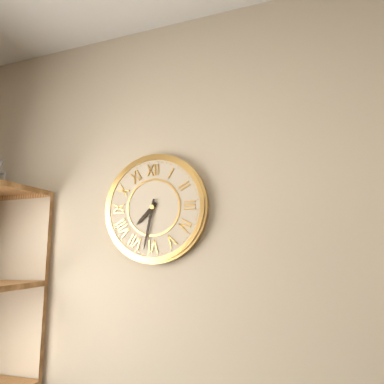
{"hour": 7, "minute": 32}
